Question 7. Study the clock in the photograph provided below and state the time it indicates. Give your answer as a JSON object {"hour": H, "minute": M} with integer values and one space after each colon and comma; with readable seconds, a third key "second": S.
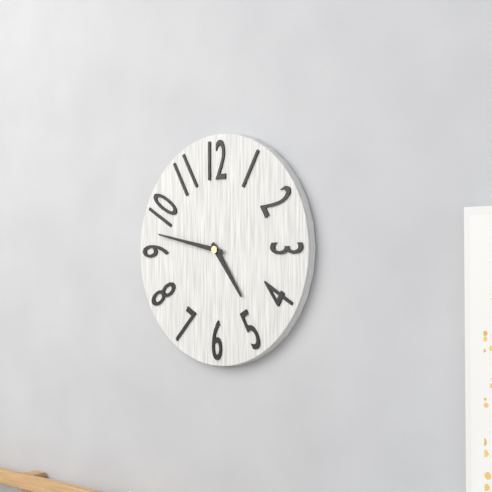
{"hour": 4, "minute": 47}
